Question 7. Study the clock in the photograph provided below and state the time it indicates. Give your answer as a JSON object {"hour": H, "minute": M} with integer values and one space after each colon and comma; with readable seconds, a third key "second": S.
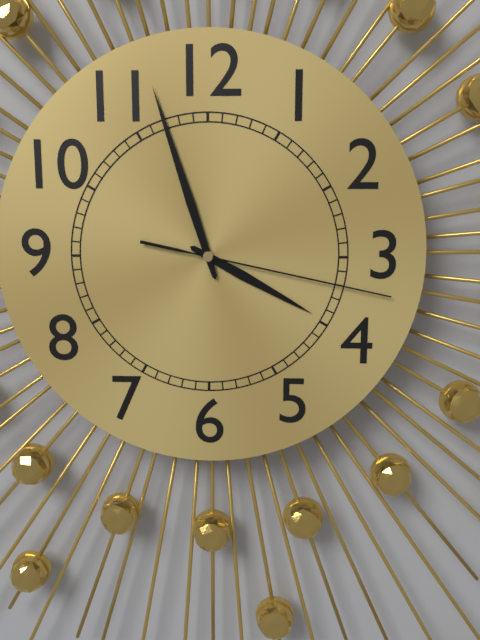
{"hour": 3, "minute": 57, "second": 17}
